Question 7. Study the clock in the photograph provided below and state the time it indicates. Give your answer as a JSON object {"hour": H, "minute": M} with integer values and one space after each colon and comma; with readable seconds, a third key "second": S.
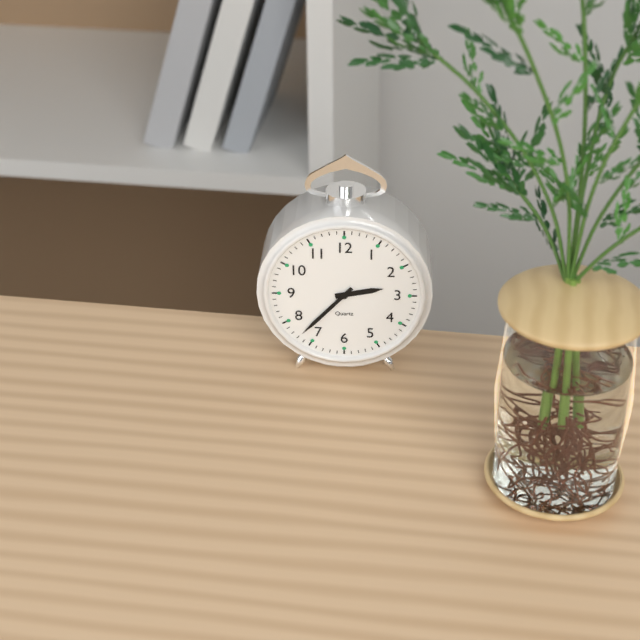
{"hour": 2, "minute": 37}
